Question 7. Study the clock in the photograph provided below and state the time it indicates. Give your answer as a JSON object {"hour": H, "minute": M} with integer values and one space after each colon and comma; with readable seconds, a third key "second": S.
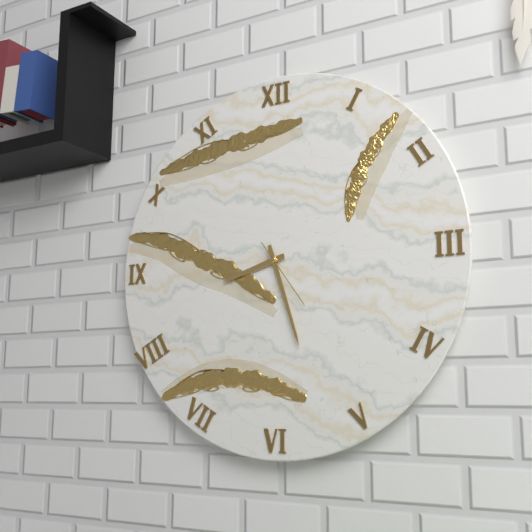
{"hour": 8, "minute": 27, "second": 24}
